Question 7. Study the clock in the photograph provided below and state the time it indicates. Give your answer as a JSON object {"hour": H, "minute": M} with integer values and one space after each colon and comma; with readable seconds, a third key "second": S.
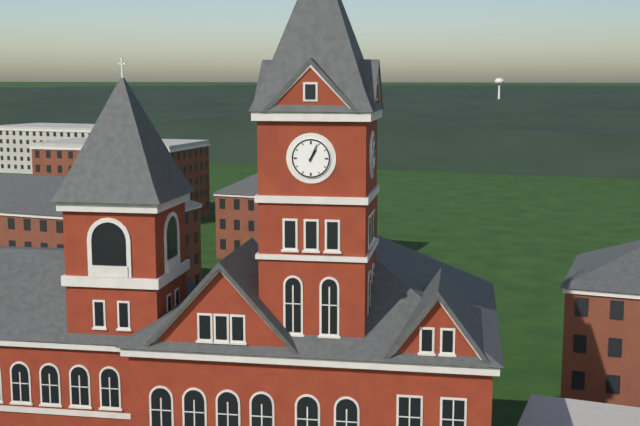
{"hour": 1, "minute": 4}
